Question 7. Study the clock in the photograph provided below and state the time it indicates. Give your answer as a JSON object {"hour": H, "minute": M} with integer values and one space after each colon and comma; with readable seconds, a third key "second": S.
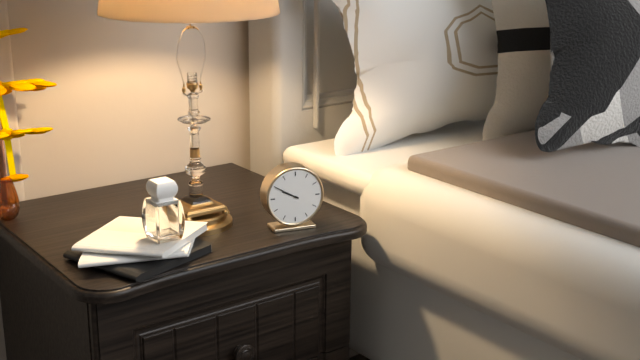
{"hour": 9, "minute": 50}
